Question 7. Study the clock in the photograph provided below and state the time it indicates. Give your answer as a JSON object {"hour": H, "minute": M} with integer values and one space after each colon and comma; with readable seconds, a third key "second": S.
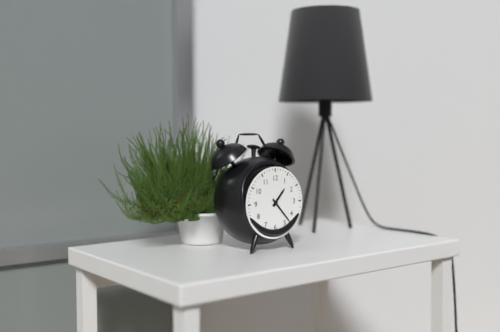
{"hour": 1, "minute": 23}
